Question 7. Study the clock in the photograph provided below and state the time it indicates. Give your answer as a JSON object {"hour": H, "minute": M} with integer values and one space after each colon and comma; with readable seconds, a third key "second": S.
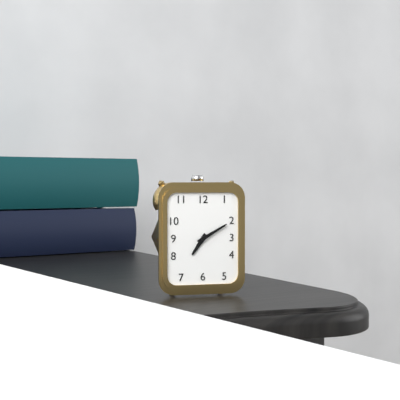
{"hour": 7, "minute": 10}
